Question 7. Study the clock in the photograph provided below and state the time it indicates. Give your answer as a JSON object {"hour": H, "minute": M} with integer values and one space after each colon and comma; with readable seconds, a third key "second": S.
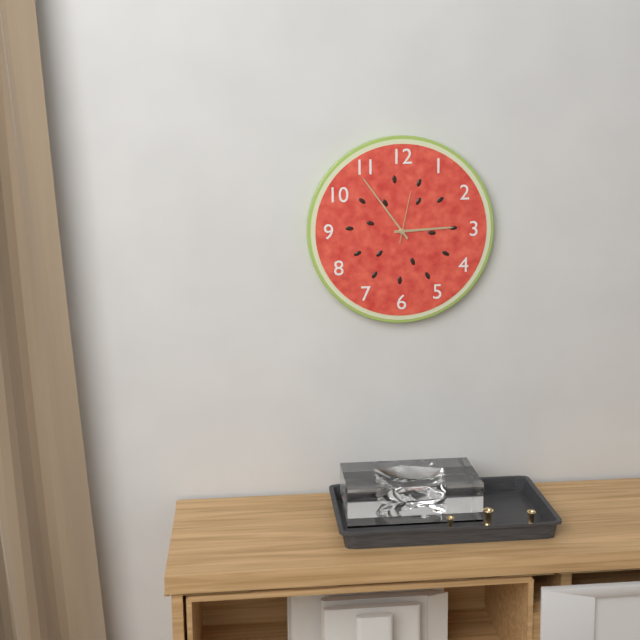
{"hour": 2, "minute": 54, "second": 2}
